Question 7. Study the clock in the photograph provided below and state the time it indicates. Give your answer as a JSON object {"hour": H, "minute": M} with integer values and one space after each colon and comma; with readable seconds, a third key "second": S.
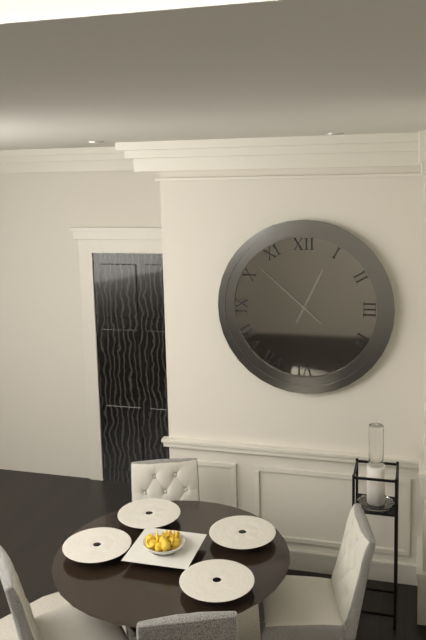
{"hour": 12, "minute": 52}
